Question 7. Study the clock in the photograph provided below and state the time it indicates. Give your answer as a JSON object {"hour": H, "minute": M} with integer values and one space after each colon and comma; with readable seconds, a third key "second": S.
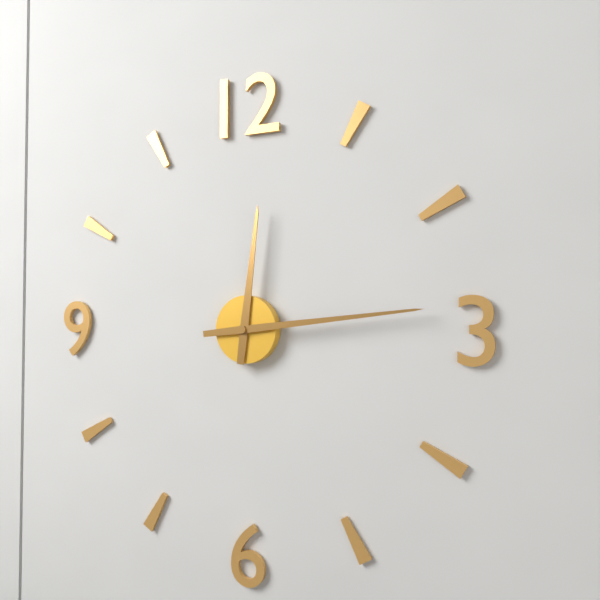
{"hour": 12, "minute": 14}
